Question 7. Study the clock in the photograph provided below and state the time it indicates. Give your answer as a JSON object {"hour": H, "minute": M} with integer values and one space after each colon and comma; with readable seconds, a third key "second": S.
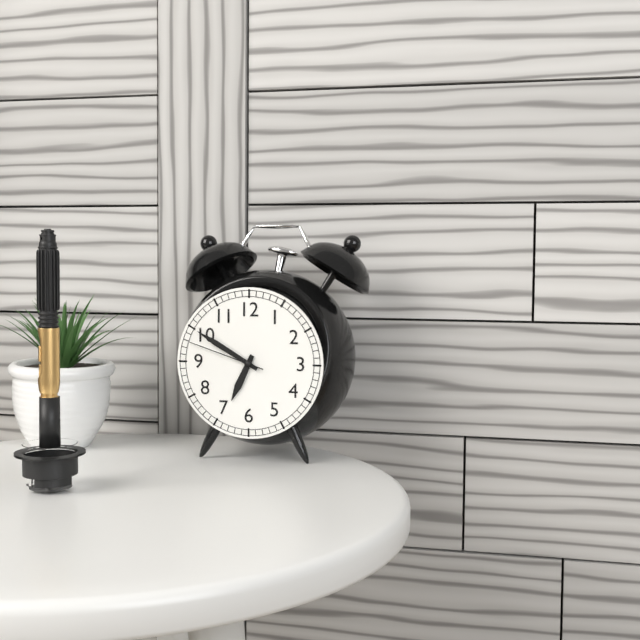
{"hour": 6, "minute": 50, "second": 48}
